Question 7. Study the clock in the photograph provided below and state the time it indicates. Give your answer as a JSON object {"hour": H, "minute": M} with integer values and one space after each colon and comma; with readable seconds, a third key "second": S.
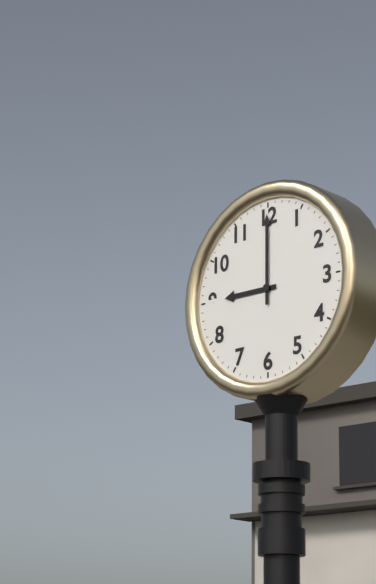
{"hour": 9, "minute": 0}
